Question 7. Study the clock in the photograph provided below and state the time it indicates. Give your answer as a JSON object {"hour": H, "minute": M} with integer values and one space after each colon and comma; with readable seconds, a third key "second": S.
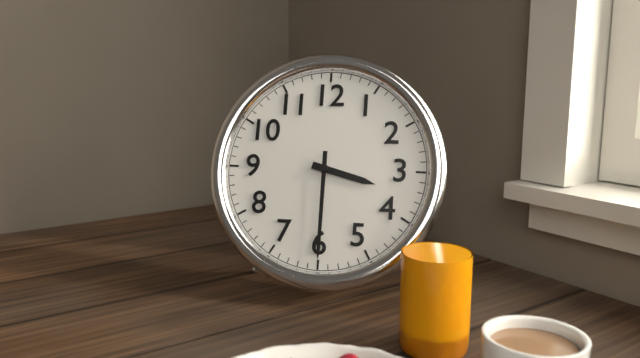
{"hour": 3, "minute": 30}
